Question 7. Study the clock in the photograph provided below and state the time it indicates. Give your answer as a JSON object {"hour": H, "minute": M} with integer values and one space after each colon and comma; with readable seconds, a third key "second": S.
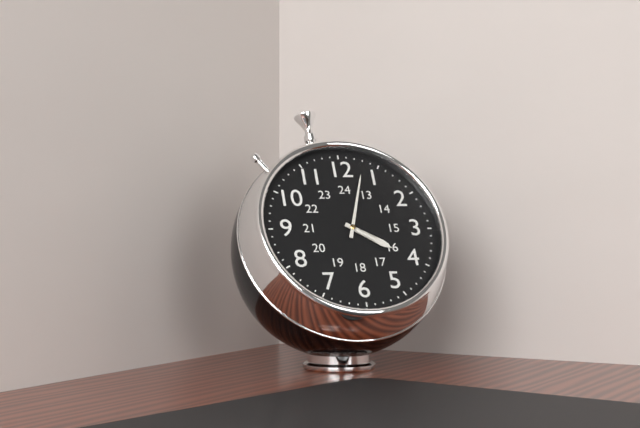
{"hour": 4, "minute": 3}
